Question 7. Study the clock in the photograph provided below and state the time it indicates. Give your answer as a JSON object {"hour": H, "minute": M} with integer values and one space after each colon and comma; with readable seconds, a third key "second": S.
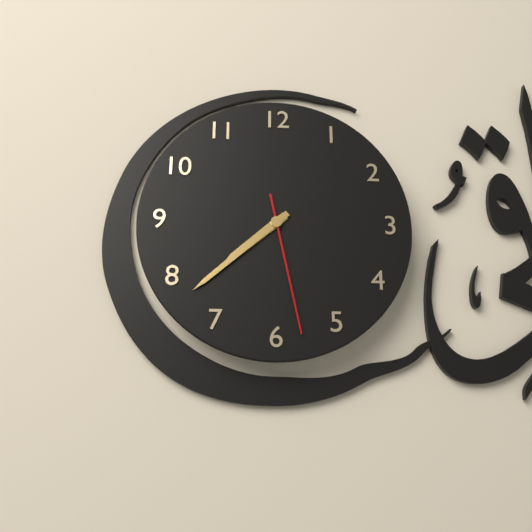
{"hour": 7, "minute": 38, "second": 28}
